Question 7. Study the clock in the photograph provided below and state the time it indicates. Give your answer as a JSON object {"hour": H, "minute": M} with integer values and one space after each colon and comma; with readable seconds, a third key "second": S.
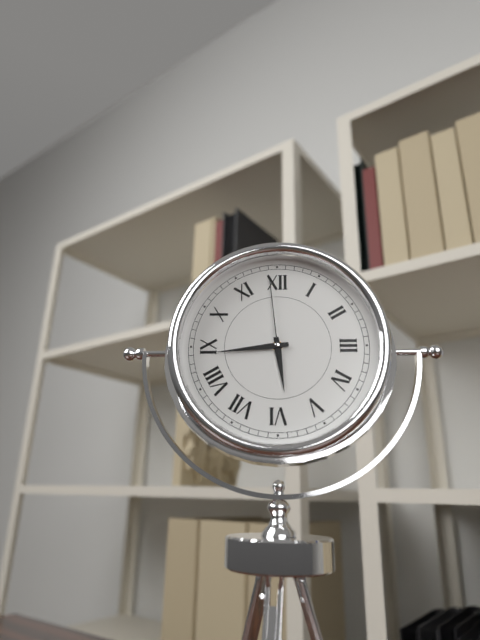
{"hour": 5, "minute": 44, "second": 59}
